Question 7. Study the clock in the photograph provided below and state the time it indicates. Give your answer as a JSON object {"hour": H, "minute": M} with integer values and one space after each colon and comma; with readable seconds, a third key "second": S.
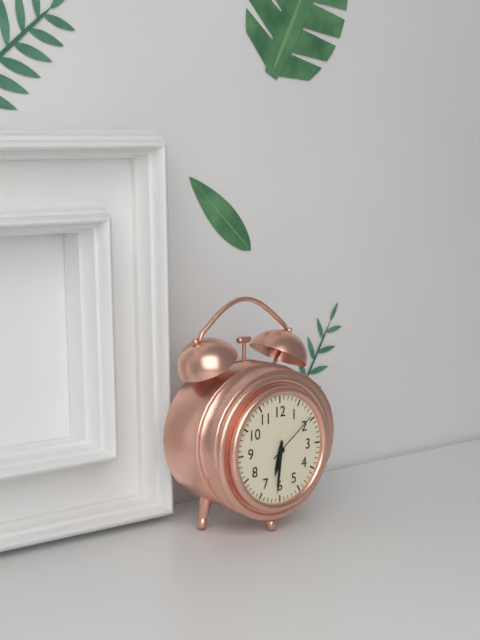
{"hour": 6, "minute": 31, "second": 9}
